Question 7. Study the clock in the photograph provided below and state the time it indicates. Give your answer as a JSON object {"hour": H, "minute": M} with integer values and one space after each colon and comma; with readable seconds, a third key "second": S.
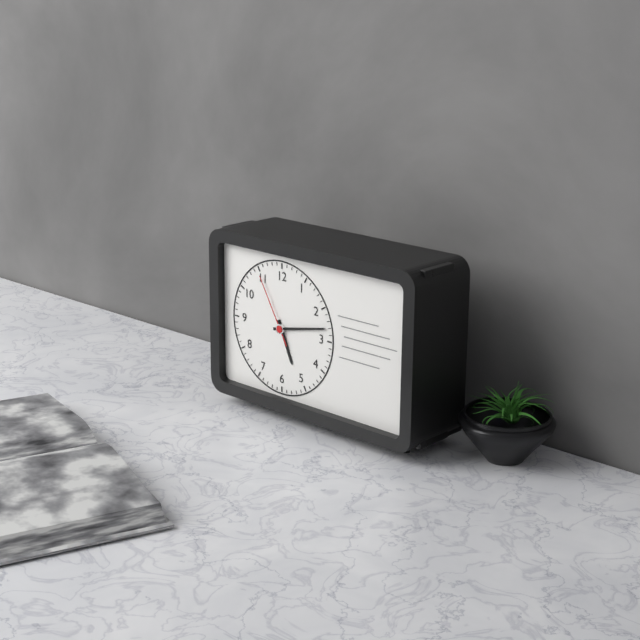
{"hour": 5, "minute": 13, "second": 55}
